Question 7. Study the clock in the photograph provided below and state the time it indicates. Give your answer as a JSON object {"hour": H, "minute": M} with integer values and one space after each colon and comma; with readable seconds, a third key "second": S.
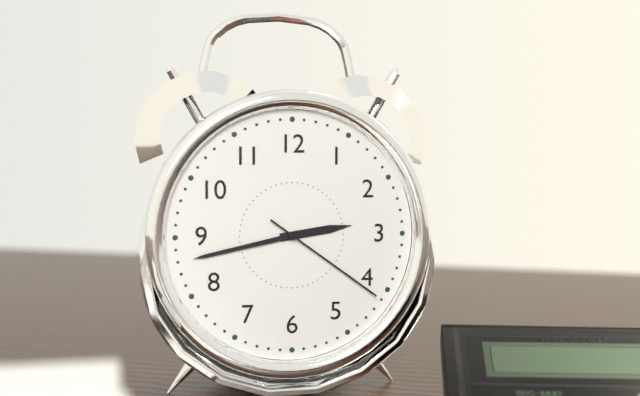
{"hour": 2, "minute": 43, "second": 21}
